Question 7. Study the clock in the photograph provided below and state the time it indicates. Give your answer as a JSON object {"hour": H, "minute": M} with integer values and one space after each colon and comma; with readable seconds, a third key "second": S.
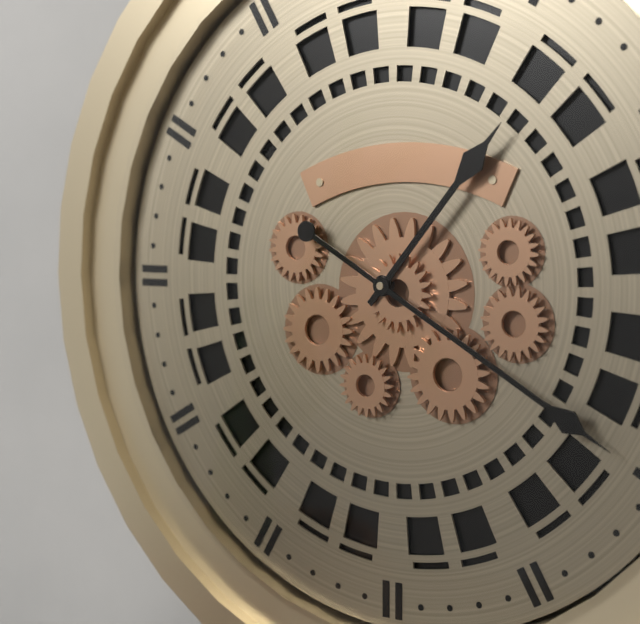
{"hour": 1, "minute": 20}
